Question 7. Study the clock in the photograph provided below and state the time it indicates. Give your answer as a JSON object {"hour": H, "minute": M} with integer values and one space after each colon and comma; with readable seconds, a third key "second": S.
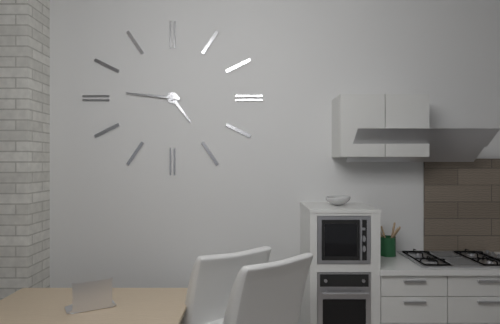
{"hour": 4, "minute": 46}
